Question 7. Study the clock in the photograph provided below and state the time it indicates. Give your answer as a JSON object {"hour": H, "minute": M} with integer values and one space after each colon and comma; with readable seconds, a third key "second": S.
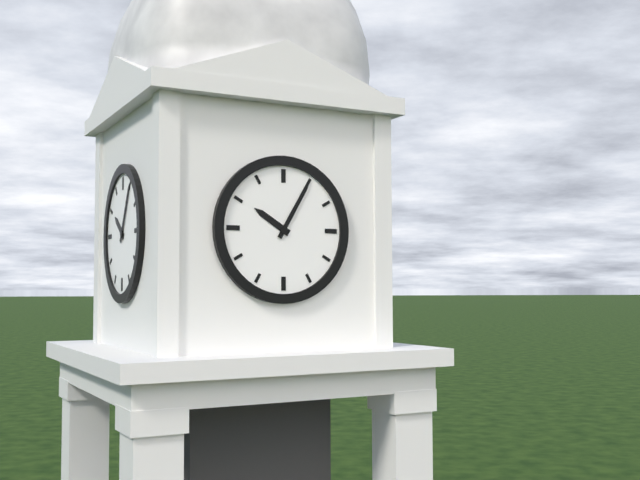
{"hour": 10, "minute": 5}
